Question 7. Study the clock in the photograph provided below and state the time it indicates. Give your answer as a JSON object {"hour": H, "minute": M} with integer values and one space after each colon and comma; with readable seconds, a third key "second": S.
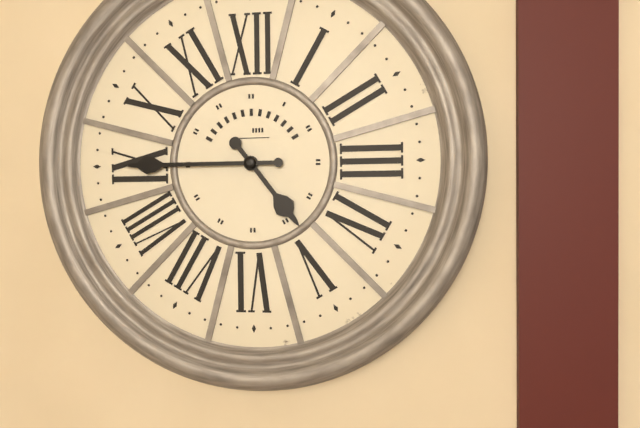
{"hour": 4, "minute": 45}
